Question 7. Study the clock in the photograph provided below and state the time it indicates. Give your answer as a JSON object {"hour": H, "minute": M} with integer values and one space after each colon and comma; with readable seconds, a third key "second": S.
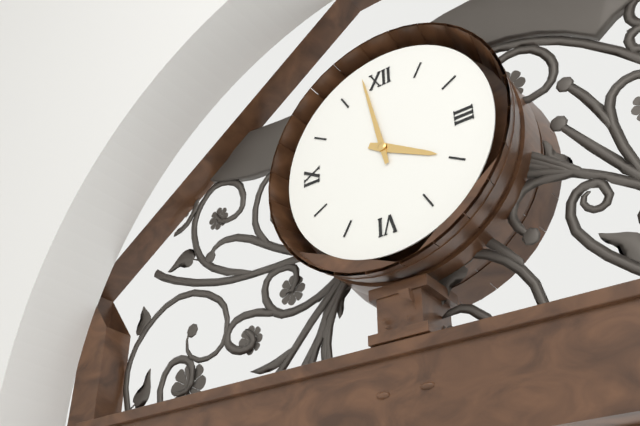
{"hour": 3, "minute": 58}
